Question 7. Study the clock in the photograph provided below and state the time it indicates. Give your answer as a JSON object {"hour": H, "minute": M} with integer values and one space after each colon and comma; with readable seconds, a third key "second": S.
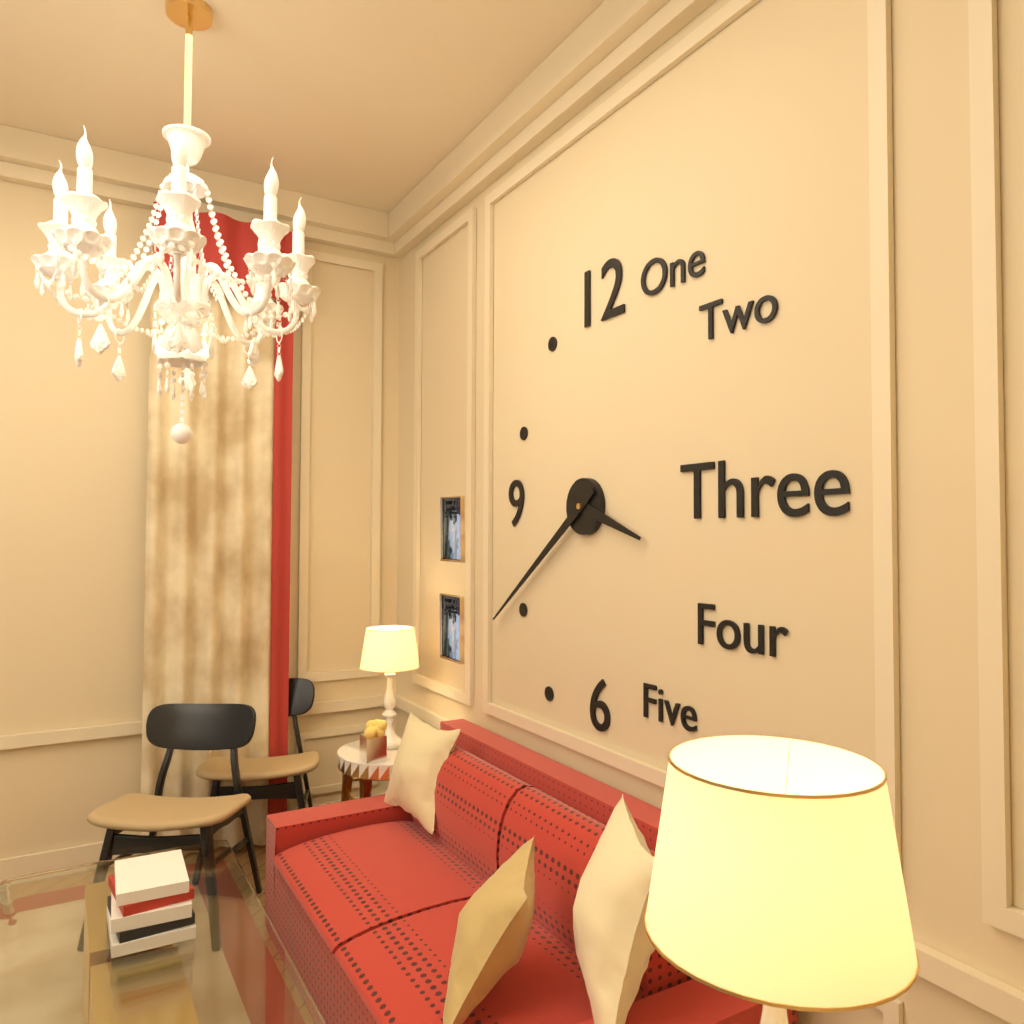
{"hour": 3, "minute": 39}
